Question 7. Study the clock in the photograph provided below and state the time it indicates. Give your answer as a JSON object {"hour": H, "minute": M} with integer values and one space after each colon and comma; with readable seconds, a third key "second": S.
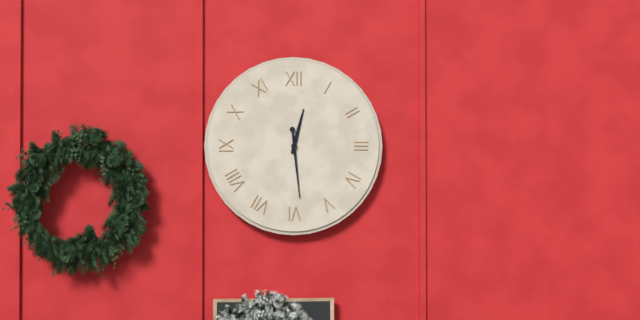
{"hour": 12, "minute": 29}
